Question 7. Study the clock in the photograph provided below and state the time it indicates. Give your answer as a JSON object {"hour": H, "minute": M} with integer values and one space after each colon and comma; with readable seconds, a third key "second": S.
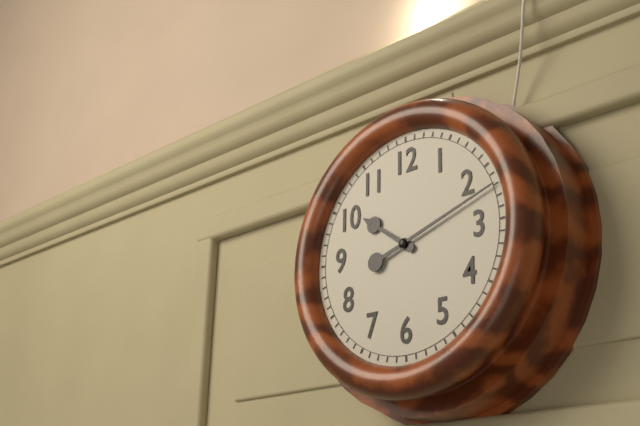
{"hour": 10, "minute": 12}
